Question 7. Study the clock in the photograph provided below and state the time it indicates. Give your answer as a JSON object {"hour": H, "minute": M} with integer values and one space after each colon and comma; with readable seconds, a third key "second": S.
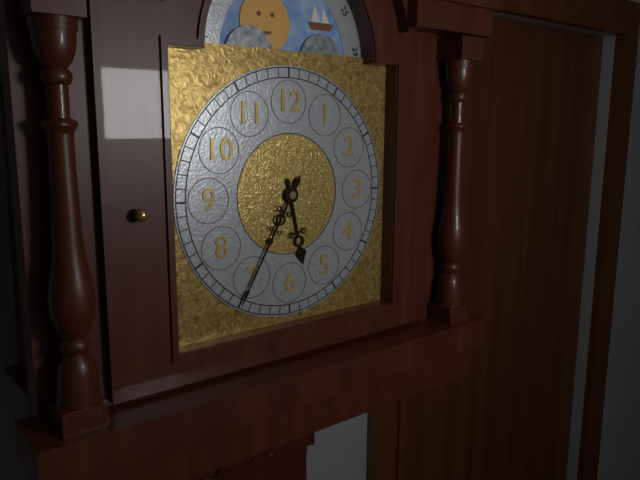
{"hour": 5, "minute": 35}
